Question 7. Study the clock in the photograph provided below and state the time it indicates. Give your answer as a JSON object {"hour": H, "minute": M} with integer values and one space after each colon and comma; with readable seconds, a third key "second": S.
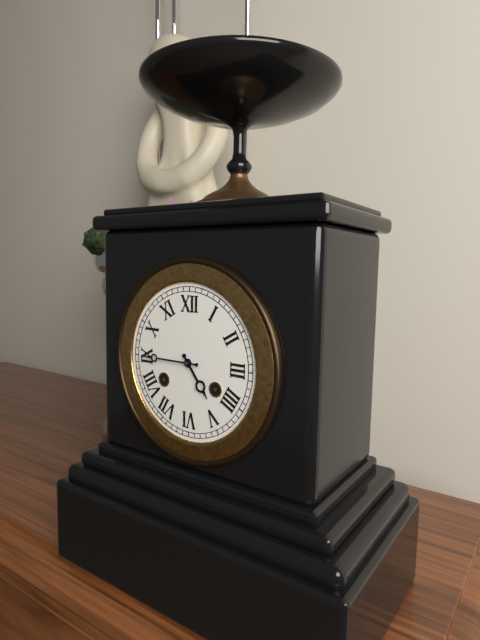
{"hour": 4, "minute": 45}
